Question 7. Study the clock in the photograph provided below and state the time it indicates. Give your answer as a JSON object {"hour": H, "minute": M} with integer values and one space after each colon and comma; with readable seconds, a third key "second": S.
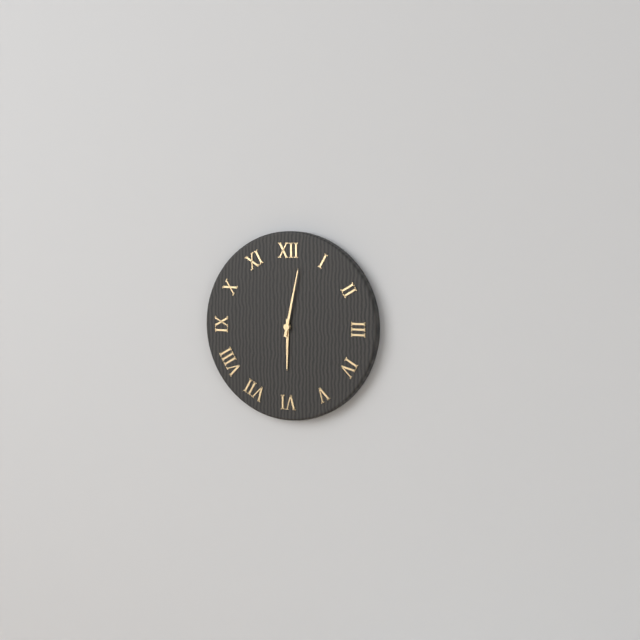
{"hour": 6, "minute": 2}
